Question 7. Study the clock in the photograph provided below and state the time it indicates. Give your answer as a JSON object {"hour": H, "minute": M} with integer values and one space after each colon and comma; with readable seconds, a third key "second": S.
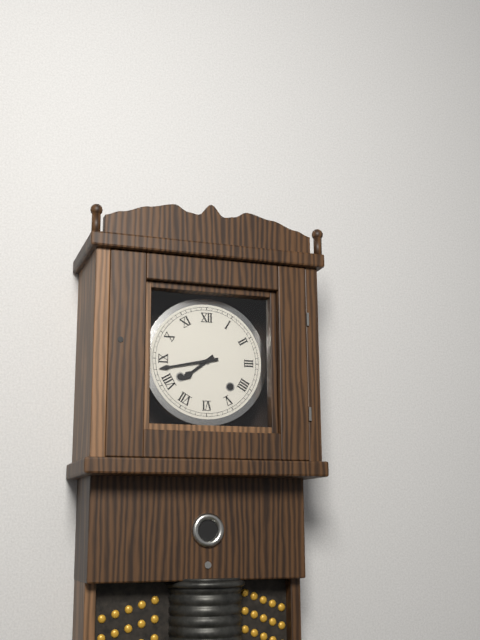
{"hour": 7, "minute": 43}
